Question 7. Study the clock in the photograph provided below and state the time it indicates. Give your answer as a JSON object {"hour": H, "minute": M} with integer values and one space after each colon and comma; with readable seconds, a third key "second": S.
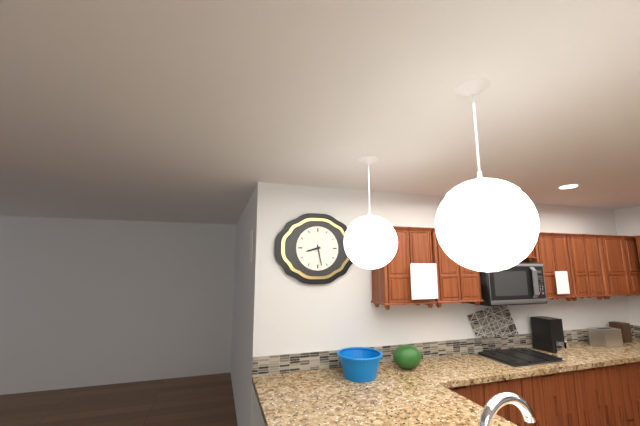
{"hour": 8, "minute": 28}
